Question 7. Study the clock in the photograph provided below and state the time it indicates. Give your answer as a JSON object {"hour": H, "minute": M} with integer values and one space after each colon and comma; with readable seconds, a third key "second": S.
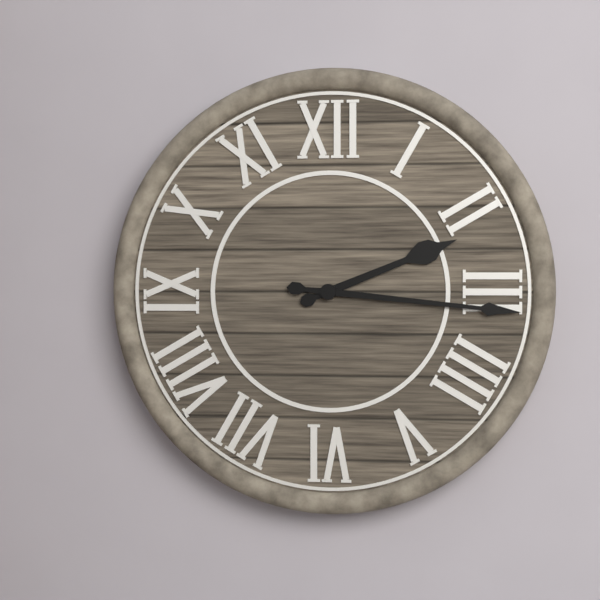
{"hour": 2, "minute": 16}
